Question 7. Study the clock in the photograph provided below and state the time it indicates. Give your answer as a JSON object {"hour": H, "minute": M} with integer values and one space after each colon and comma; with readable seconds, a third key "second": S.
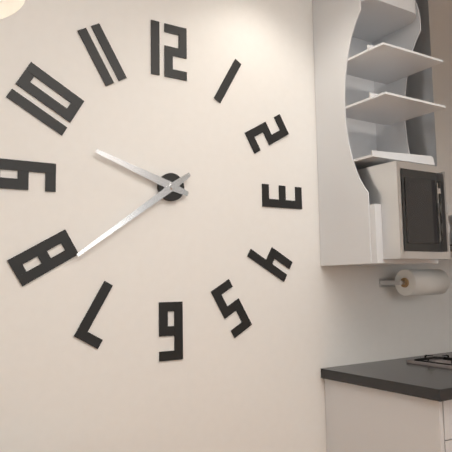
{"hour": 9, "minute": 39}
